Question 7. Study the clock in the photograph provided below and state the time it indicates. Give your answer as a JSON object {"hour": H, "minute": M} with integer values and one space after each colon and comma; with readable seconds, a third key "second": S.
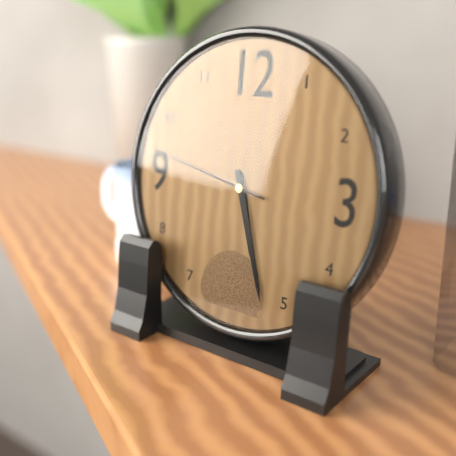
{"hour": 5, "minute": 27, "second": 47}
